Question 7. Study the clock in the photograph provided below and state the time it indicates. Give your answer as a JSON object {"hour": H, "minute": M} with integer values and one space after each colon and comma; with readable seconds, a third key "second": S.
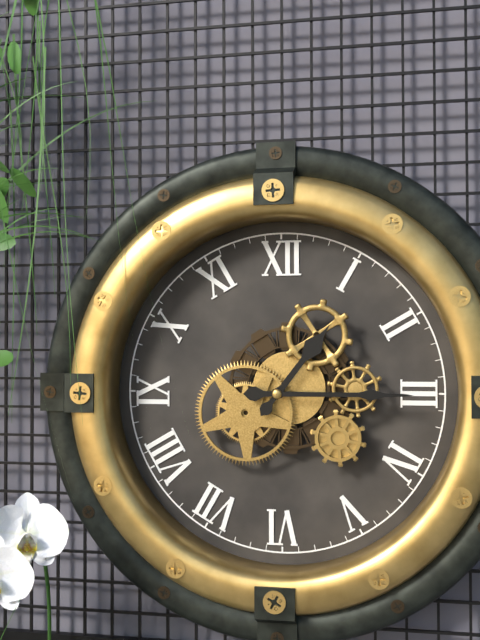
{"hour": 1, "minute": 15}
